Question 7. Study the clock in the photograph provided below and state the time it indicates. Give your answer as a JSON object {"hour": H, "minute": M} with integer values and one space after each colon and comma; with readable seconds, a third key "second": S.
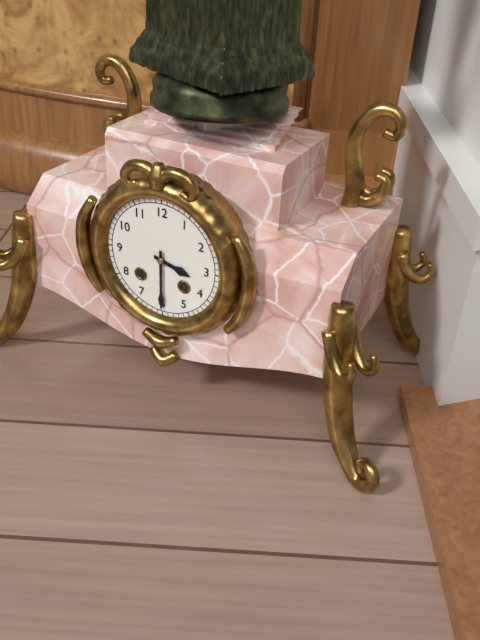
{"hour": 3, "minute": 30}
